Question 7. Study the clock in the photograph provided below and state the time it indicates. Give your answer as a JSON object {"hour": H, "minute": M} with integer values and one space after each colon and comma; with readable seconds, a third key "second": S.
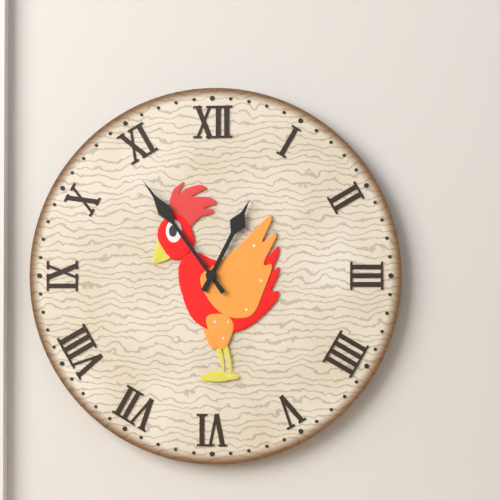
{"hour": 12, "minute": 54}
